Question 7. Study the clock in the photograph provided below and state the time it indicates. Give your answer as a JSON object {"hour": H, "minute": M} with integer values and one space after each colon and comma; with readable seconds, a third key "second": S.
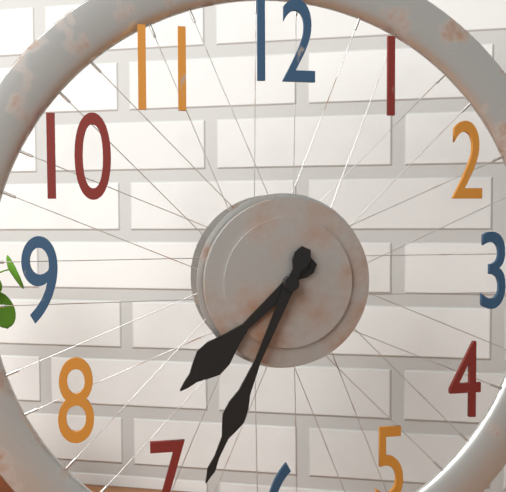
{"hour": 7, "minute": 34}
